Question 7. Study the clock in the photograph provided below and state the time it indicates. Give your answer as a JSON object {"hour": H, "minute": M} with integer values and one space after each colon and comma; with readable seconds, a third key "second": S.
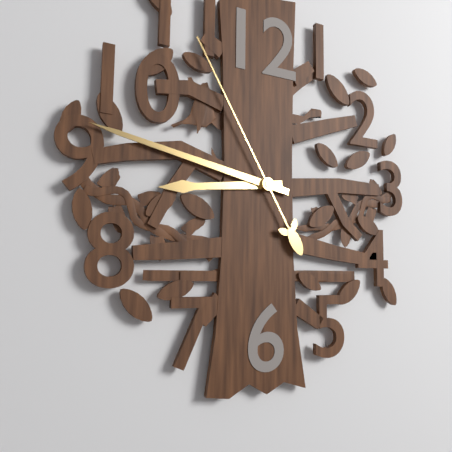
{"hour": 8, "minute": 47, "second": 55}
